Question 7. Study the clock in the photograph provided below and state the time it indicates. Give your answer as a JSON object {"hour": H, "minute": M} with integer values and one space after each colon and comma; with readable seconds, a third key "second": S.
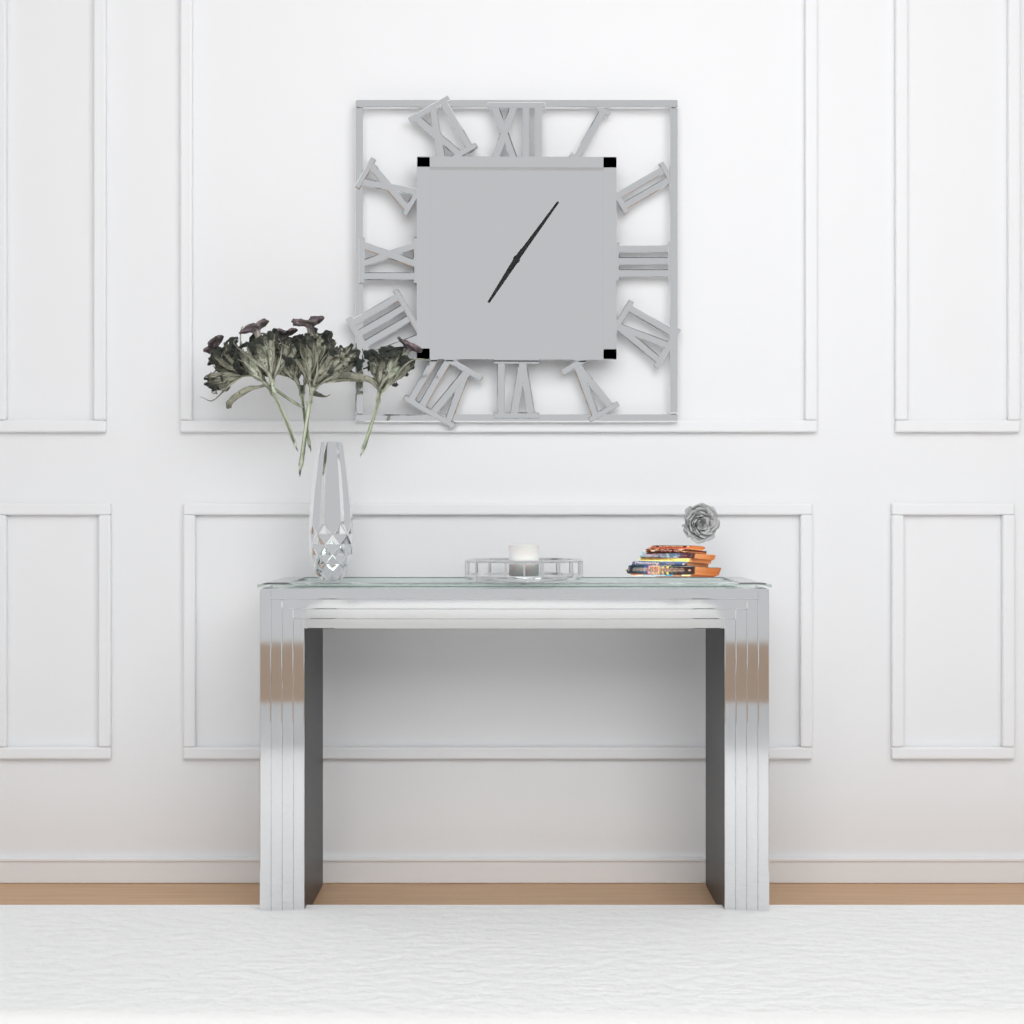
{"hour": 7, "minute": 6}
